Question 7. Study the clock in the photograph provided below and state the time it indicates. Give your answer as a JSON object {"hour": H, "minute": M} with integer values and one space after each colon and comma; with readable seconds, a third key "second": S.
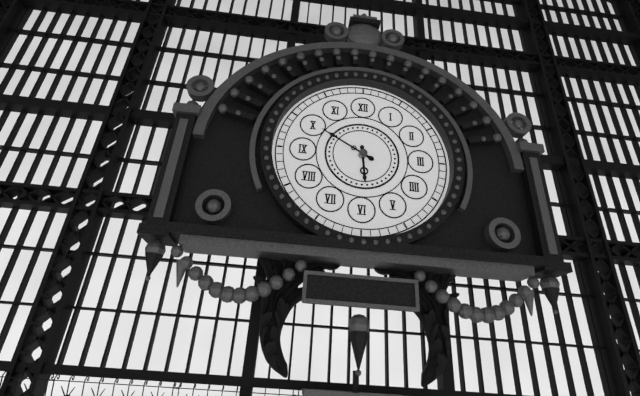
{"hour": 5, "minute": 50}
